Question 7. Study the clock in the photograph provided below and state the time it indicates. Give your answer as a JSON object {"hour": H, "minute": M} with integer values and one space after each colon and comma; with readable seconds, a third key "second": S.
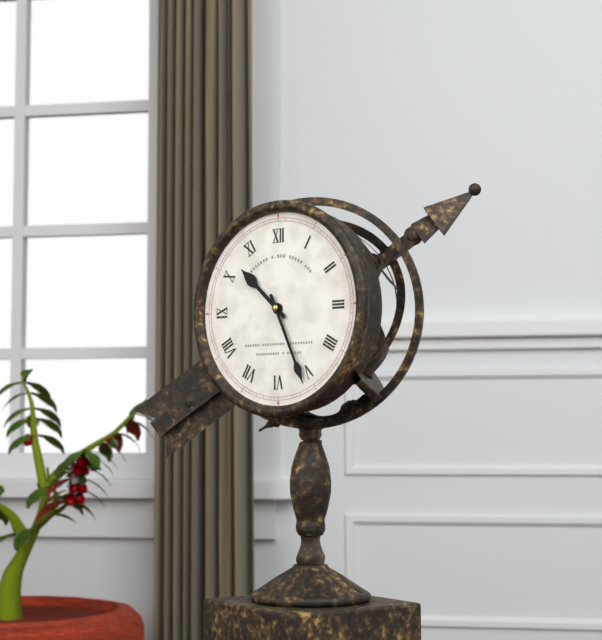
{"hour": 10, "minute": 26}
